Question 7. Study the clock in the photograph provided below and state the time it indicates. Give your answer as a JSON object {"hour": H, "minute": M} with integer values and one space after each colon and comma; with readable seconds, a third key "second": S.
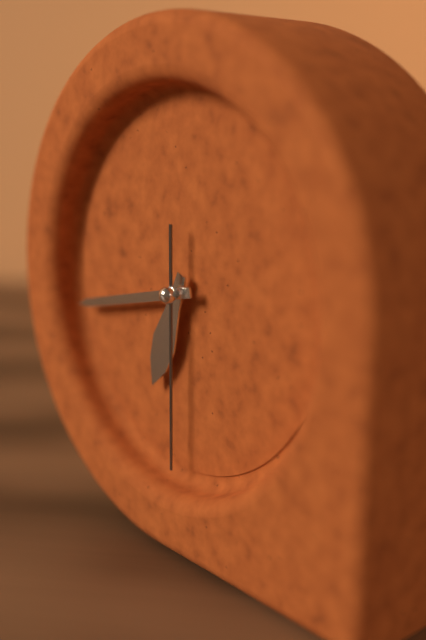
{"hour": 6, "minute": 43, "second": 30}
